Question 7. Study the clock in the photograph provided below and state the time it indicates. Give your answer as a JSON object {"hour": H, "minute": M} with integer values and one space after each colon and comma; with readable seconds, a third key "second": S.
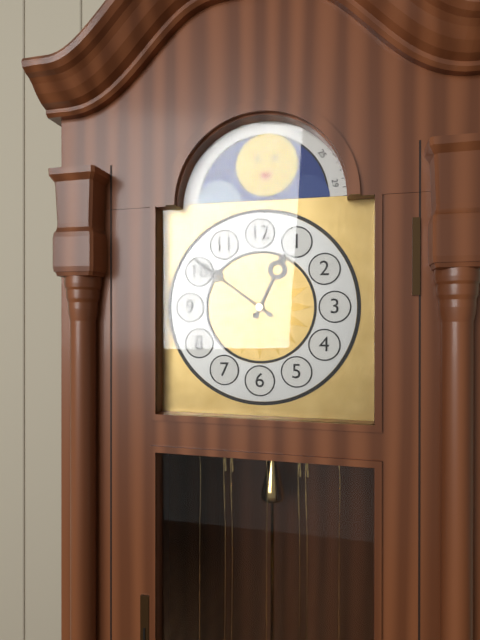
{"hour": 12, "minute": 51}
